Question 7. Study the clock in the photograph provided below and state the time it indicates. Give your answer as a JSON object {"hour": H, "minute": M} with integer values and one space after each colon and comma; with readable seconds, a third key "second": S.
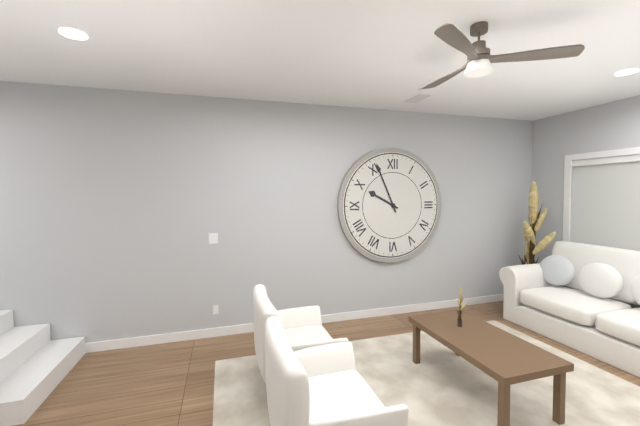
{"hour": 9, "minute": 56}
